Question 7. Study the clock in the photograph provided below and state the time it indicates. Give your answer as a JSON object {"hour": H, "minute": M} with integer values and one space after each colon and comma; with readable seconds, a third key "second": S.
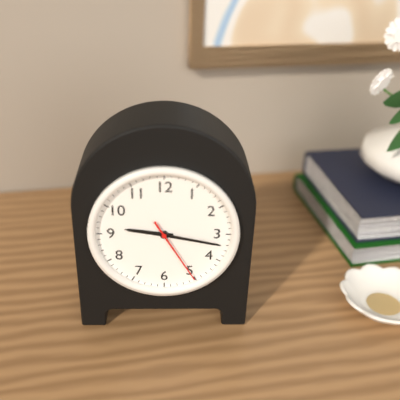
{"hour": 9, "minute": 17, "second": 25}
